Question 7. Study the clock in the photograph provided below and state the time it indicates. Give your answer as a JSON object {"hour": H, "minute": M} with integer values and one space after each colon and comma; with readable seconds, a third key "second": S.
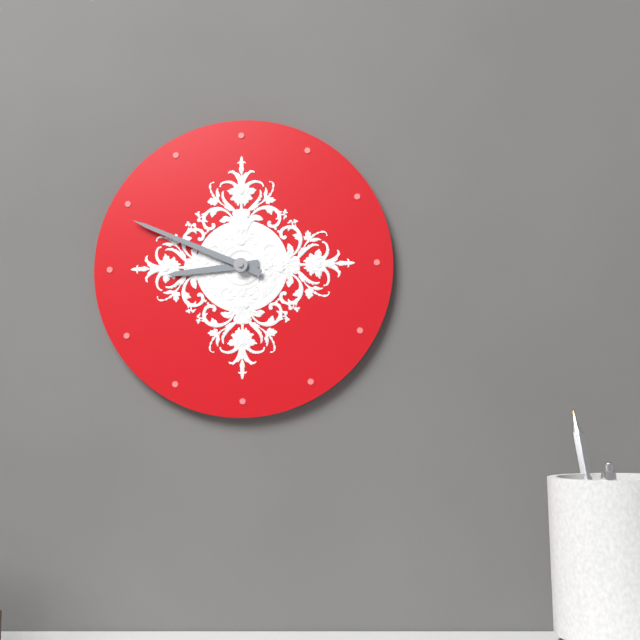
{"hour": 8, "minute": 49}
